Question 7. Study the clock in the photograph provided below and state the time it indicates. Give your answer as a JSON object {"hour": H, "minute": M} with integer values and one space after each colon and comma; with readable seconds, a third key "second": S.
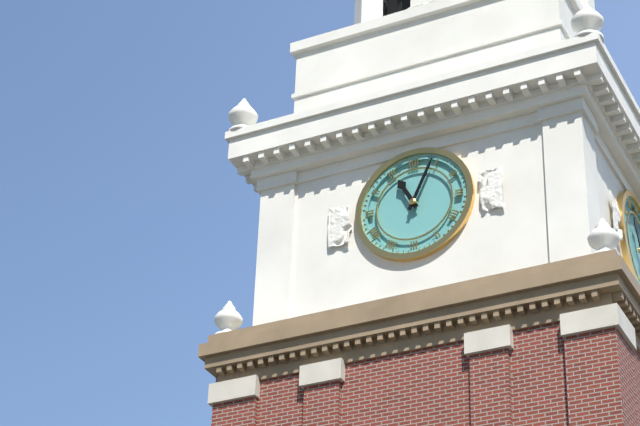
{"hour": 11, "minute": 4}
